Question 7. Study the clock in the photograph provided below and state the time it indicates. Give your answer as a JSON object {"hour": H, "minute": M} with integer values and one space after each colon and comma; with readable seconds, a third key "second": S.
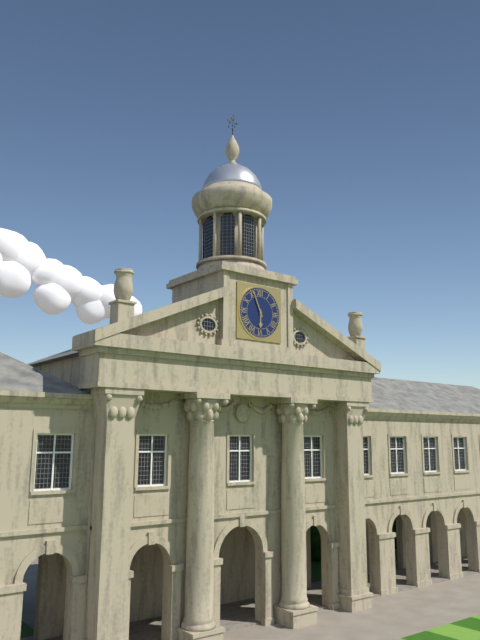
{"hour": 5, "minute": 56}
